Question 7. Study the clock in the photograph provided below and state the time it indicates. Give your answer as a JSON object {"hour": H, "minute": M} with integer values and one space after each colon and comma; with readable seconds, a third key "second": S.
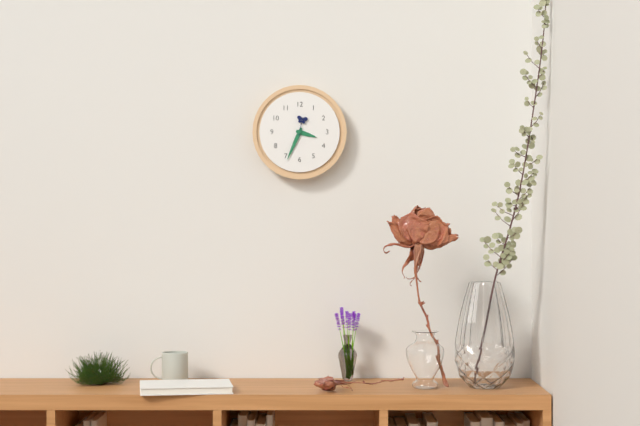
{"hour": 3, "minute": 34}
